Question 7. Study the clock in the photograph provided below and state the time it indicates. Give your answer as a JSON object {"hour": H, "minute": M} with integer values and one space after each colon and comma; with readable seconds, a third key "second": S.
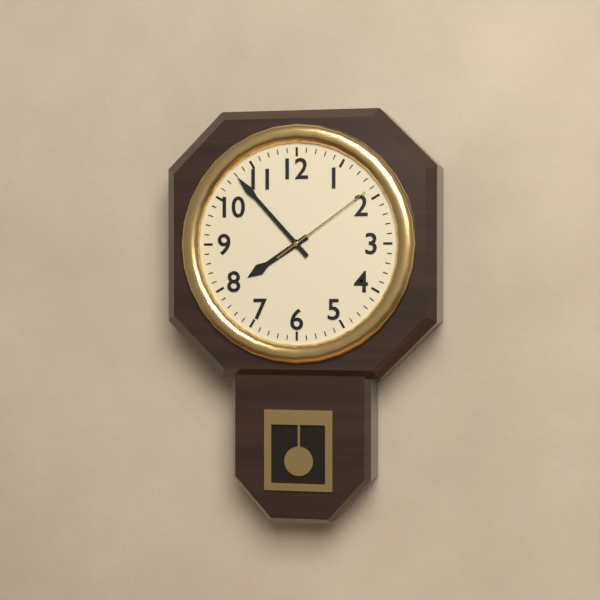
{"hour": 7, "minute": 53, "second": 9}
